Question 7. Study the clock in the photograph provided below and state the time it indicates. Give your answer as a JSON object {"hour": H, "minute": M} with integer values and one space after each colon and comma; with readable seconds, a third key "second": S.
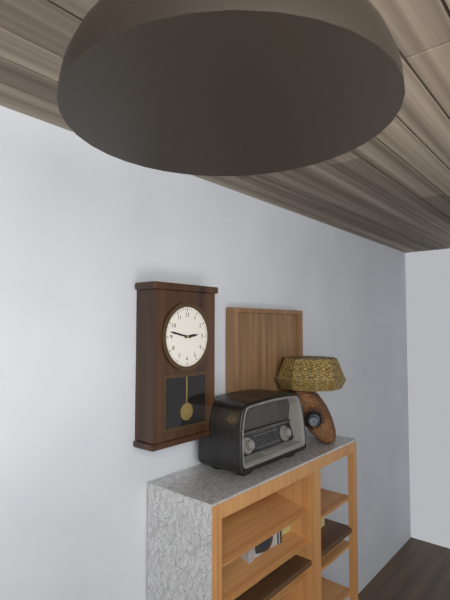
{"hour": 2, "minute": 47}
